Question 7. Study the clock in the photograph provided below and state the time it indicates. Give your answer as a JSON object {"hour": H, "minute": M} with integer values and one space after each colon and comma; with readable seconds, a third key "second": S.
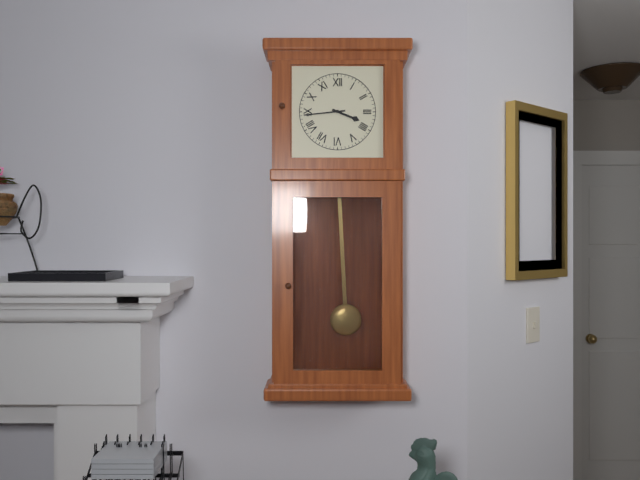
{"hour": 3, "minute": 44}
